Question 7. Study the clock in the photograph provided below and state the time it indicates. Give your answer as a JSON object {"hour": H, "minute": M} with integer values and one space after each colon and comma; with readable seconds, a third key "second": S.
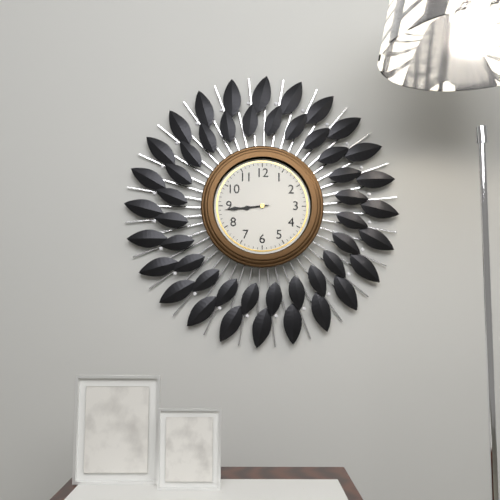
{"hour": 8, "minute": 44}
